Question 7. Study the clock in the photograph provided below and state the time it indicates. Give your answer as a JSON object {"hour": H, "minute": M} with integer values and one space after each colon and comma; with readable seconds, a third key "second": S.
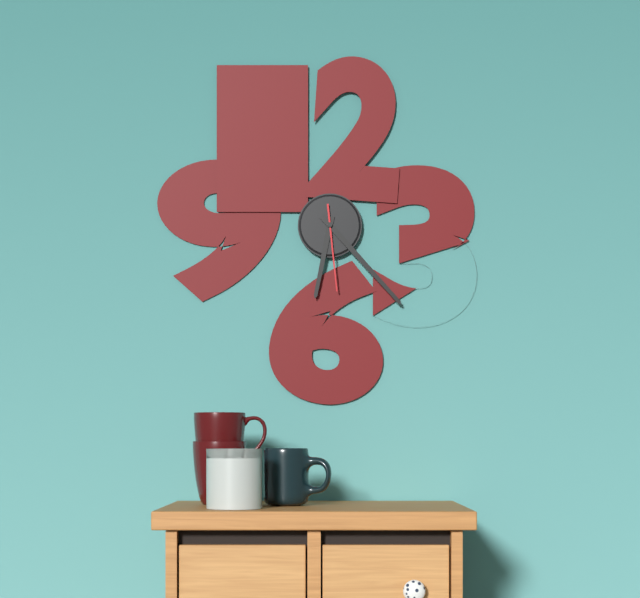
{"hour": 6, "minute": 23, "second": 29}
